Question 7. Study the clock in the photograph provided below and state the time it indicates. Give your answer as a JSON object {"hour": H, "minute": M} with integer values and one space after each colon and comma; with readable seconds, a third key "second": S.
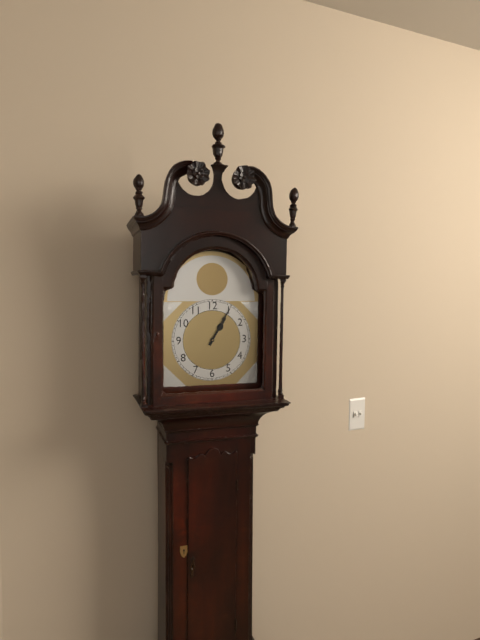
{"hour": 1, "minute": 5}
